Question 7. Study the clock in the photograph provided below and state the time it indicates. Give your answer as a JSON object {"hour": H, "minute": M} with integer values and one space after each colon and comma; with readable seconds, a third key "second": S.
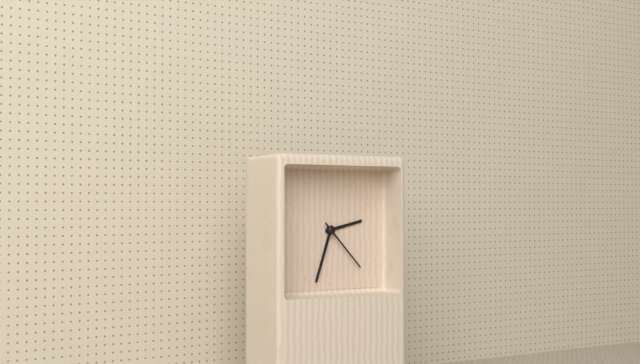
{"hour": 2, "minute": 33, "second": 23}
